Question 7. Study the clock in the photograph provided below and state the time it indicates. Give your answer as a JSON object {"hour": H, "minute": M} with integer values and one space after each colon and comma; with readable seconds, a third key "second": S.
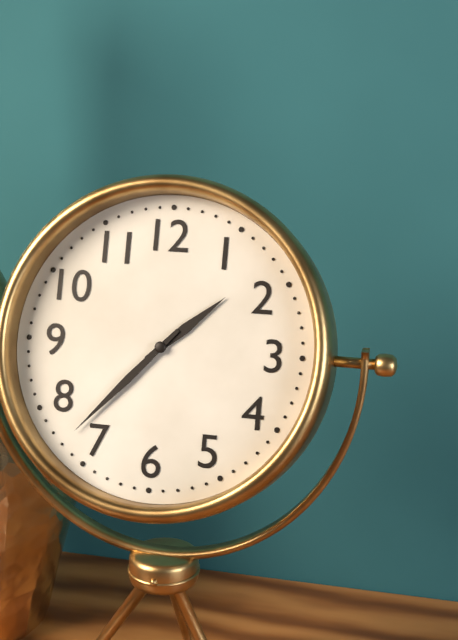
{"hour": 1, "minute": 37}
